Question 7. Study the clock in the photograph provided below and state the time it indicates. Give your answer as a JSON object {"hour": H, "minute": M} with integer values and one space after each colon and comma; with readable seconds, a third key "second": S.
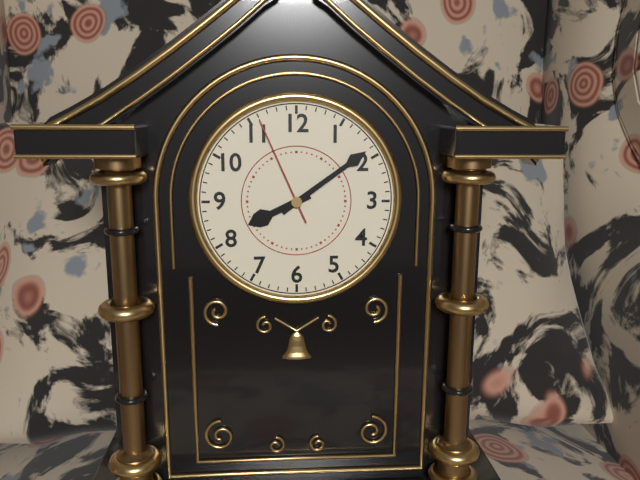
{"hour": 8, "minute": 9, "second": 56}
